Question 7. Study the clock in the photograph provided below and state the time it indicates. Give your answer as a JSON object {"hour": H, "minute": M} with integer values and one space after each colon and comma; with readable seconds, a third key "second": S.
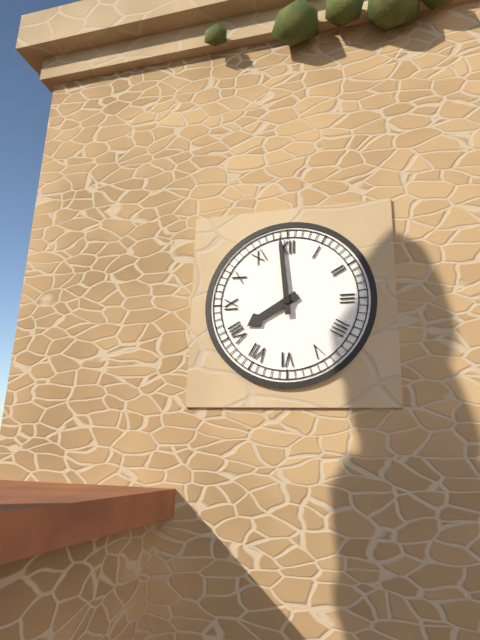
{"hour": 7, "minute": 59}
